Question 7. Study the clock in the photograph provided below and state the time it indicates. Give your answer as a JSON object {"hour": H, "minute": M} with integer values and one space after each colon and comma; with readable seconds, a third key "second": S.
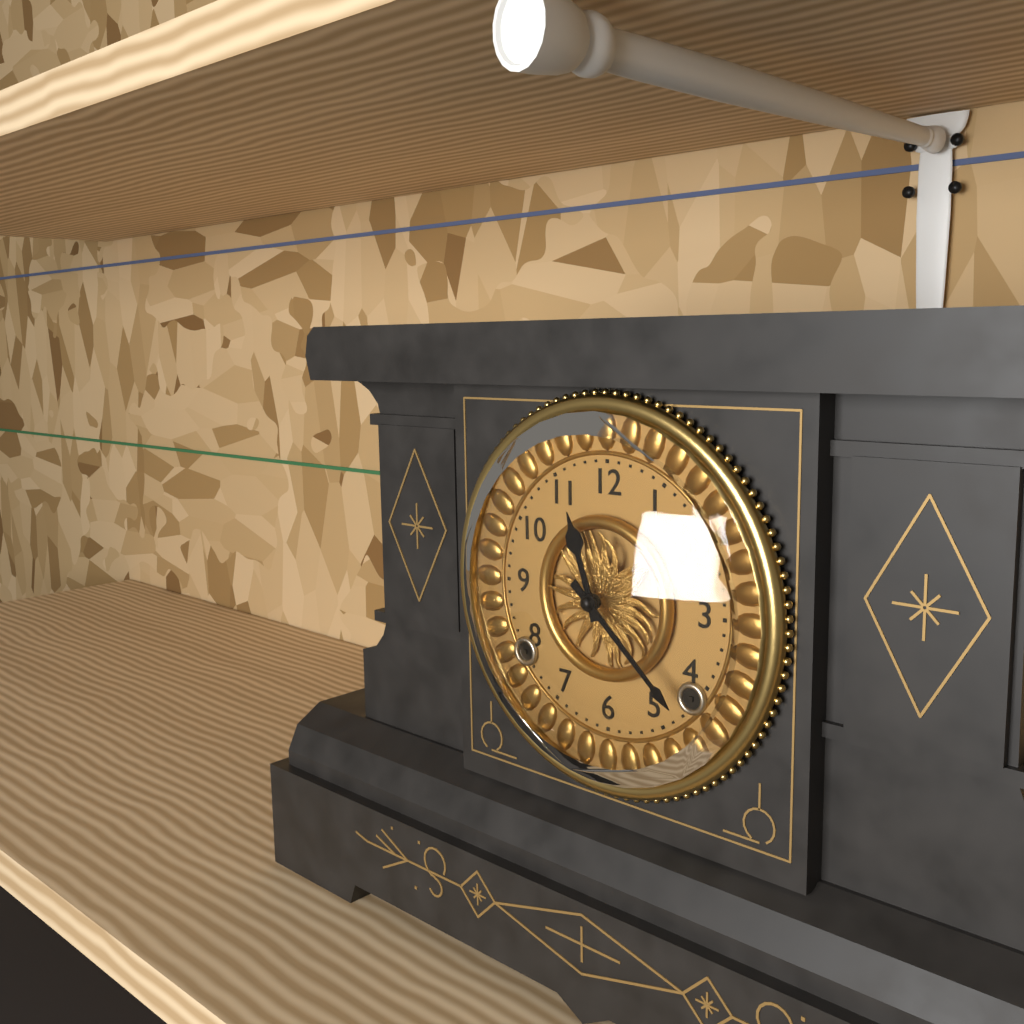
{"hour": 11, "minute": 22}
